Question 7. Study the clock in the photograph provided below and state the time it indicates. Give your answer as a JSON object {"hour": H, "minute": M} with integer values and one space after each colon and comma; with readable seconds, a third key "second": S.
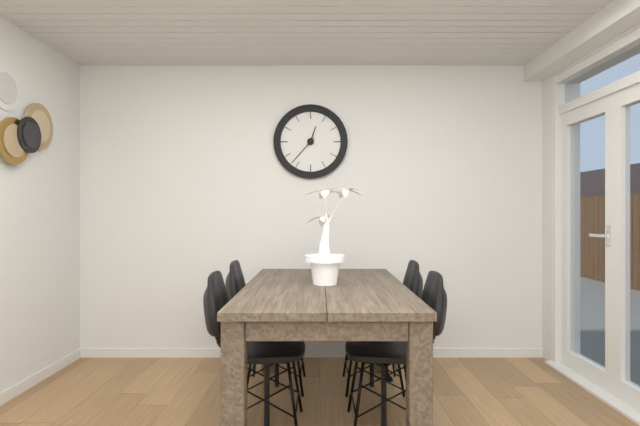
{"hour": 12, "minute": 37}
